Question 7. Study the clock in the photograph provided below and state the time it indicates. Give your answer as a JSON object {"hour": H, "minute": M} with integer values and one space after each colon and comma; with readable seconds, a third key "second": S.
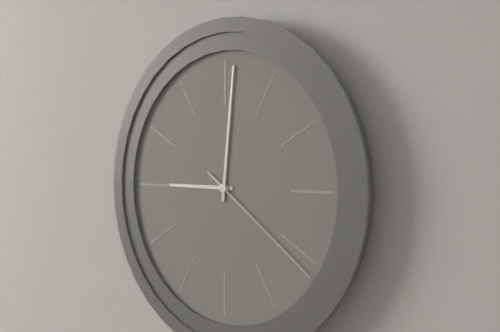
{"hour": 9, "minute": 1, "second": 21}
